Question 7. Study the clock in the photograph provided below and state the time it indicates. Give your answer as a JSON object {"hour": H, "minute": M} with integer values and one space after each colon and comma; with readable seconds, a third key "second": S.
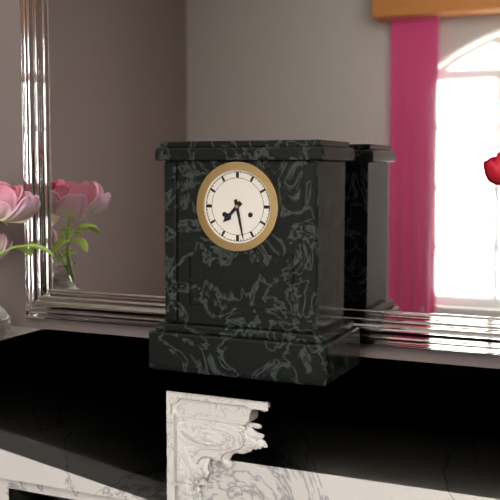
{"hour": 7, "minute": 28}
